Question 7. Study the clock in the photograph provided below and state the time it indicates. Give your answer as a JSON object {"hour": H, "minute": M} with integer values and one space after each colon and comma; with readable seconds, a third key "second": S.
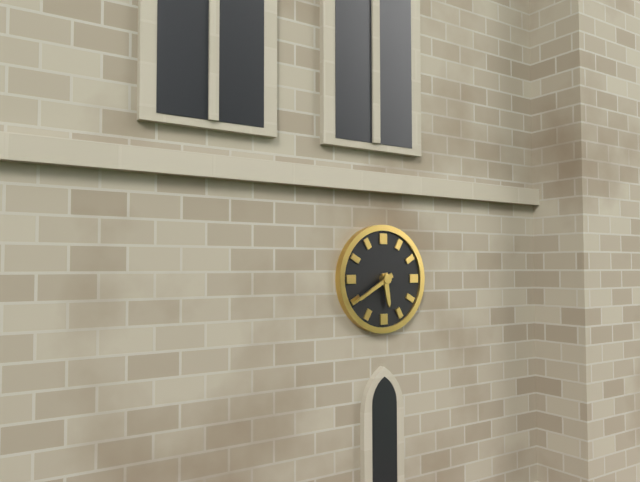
{"hour": 5, "minute": 40}
